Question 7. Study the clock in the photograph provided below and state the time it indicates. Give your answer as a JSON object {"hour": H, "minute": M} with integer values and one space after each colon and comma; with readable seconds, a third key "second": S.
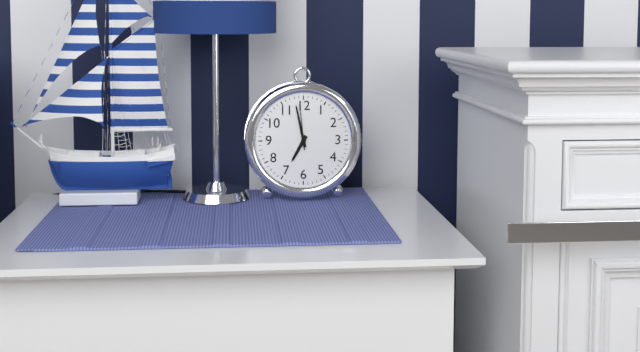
{"hour": 6, "minute": 58}
